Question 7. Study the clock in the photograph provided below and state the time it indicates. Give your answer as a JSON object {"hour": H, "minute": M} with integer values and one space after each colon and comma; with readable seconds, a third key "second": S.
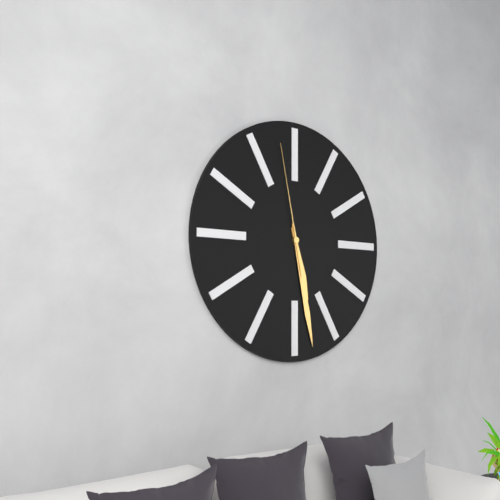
{"hour": 5, "minute": 28, "second": 58}
